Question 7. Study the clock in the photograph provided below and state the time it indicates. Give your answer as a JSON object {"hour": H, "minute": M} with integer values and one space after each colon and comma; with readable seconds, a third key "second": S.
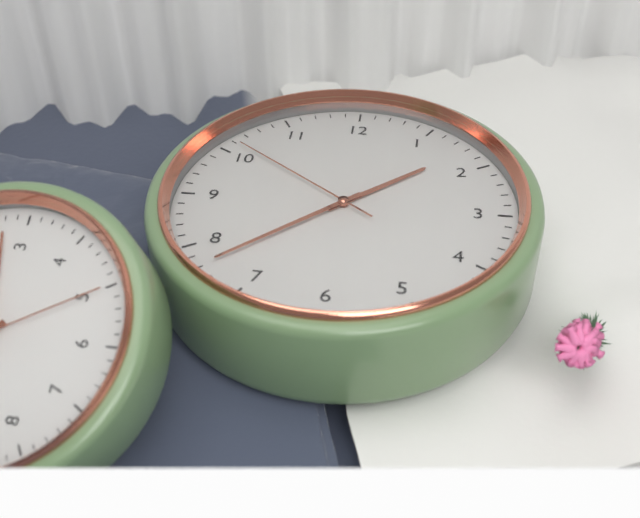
{"hour": 1, "minute": 38, "second": 51}
